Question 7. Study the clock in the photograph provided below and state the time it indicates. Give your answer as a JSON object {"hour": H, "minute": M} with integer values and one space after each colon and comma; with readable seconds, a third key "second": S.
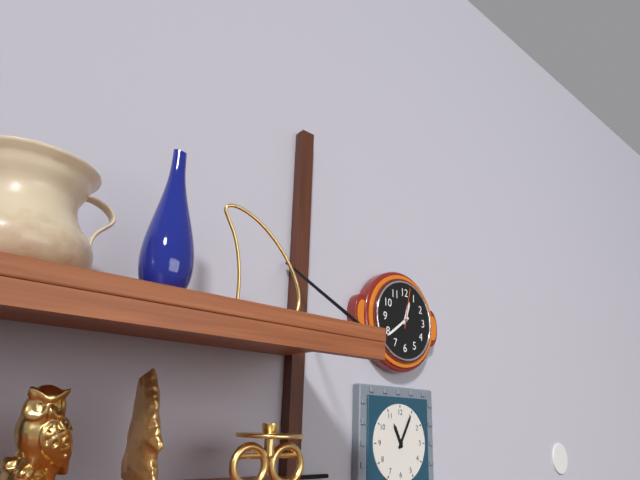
{"hour": 12, "minute": 39}
